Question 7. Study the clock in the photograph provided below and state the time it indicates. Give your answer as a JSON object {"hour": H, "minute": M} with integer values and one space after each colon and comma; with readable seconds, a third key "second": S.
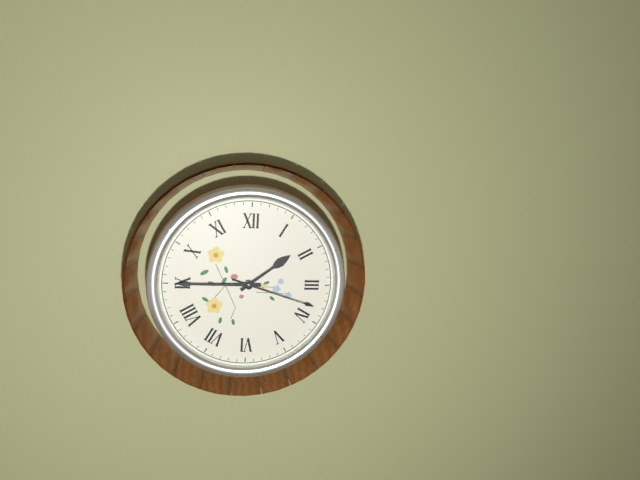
{"hour": 1, "minute": 45, "second": 18}
